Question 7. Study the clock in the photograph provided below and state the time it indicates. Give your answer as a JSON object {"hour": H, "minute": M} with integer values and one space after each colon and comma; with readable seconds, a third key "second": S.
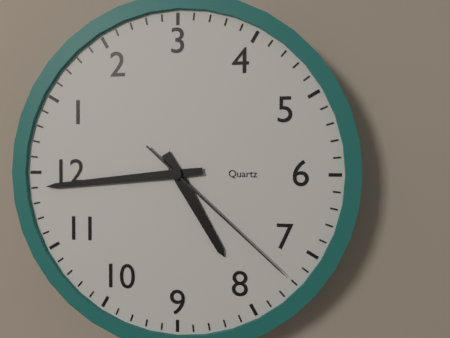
{"hour": 7, "minute": 59, "second": 37}
